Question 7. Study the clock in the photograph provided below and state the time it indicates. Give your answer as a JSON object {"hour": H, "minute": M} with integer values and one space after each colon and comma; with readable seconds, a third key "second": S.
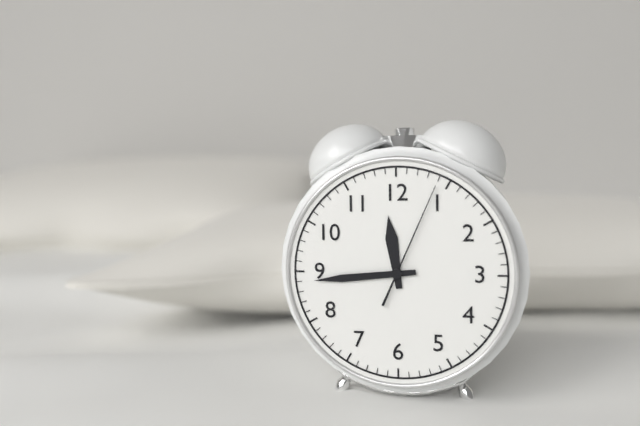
{"hour": 11, "minute": 44, "second": 4}
